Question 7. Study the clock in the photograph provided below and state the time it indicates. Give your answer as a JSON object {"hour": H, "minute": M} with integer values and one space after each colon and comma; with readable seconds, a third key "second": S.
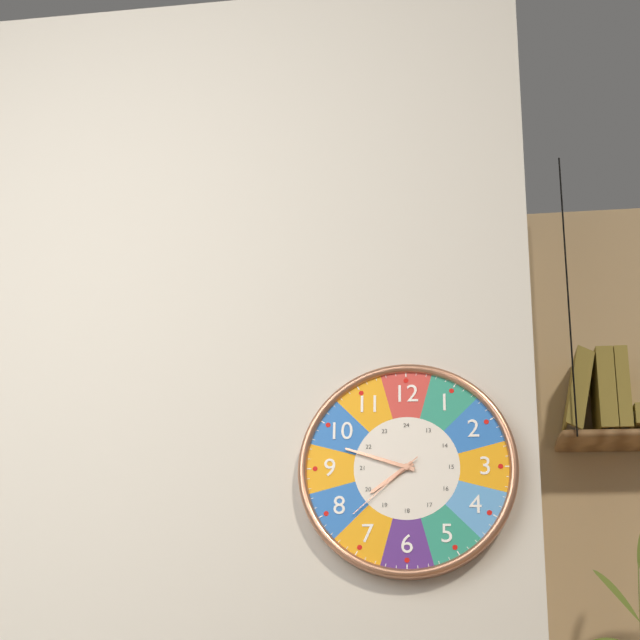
{"hour": 7, "minute": 48, "second": 38}
